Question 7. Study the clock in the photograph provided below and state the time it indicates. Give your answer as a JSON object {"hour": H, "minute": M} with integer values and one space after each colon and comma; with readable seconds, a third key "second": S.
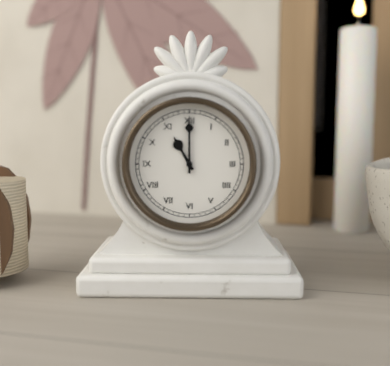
{"hour": 11, "minute": 0}
